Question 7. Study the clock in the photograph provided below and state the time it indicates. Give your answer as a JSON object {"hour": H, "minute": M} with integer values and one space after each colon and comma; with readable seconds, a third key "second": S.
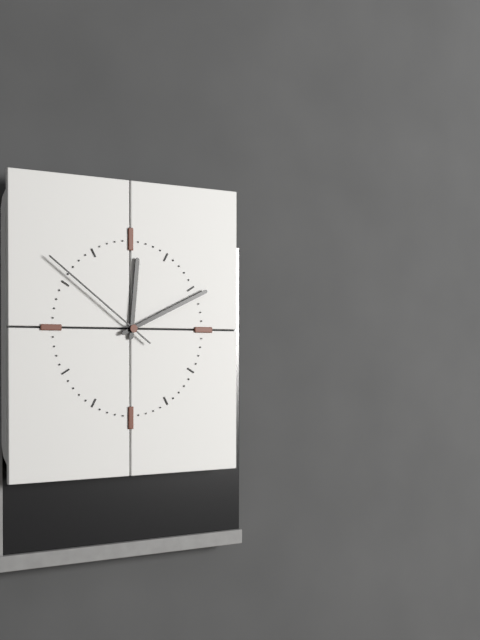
{"hour": 12, "minute": 11, "second": 51}
